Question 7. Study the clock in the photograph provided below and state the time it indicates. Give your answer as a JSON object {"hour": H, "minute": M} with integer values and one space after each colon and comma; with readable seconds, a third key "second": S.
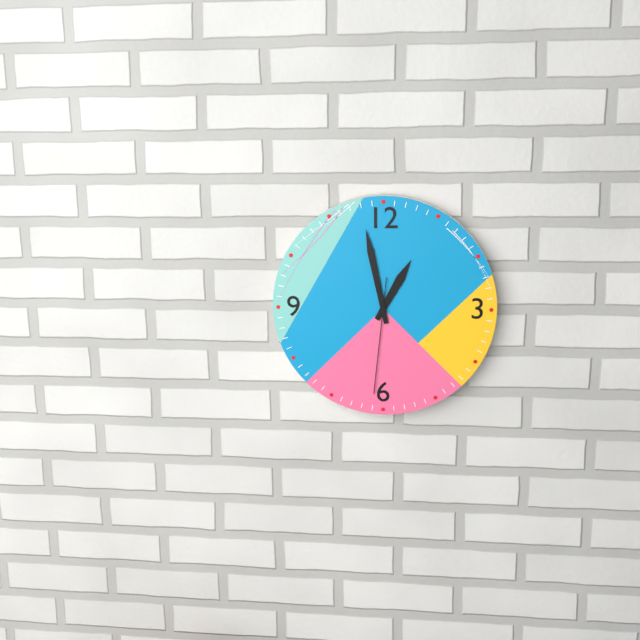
{"hour": 12, "minute": 58, "second": 31}
